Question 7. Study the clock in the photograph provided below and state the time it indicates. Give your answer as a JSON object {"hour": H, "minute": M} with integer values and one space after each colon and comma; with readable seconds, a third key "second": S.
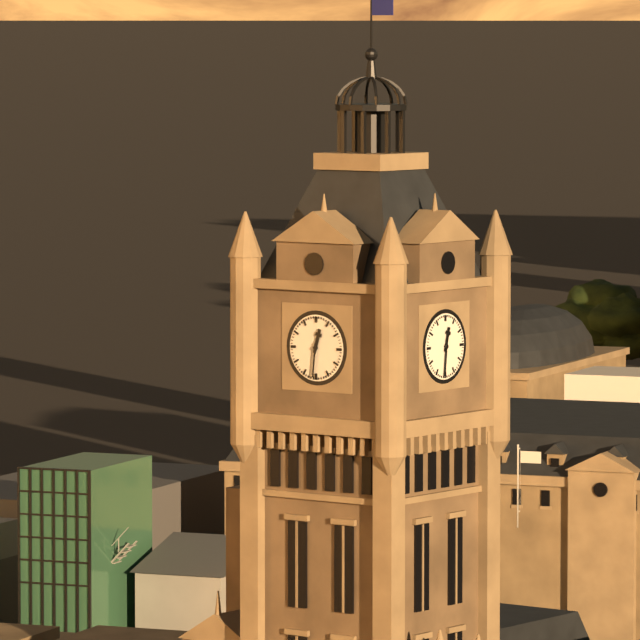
{"hour": 12, "minute": 31}
